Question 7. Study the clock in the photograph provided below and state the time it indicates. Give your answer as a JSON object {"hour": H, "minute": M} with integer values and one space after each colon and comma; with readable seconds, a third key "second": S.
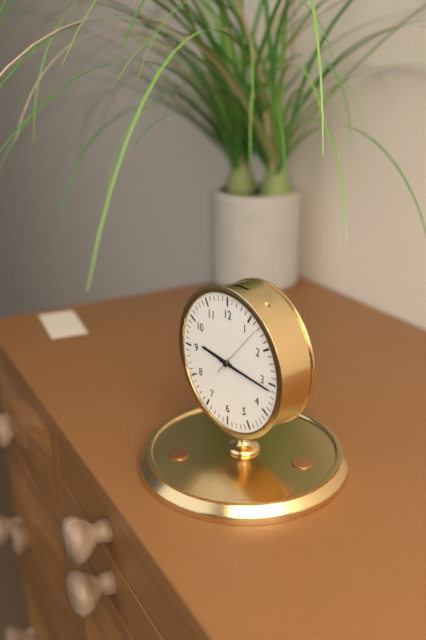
{"hour": 9, "minute": 16, "second": 7}
